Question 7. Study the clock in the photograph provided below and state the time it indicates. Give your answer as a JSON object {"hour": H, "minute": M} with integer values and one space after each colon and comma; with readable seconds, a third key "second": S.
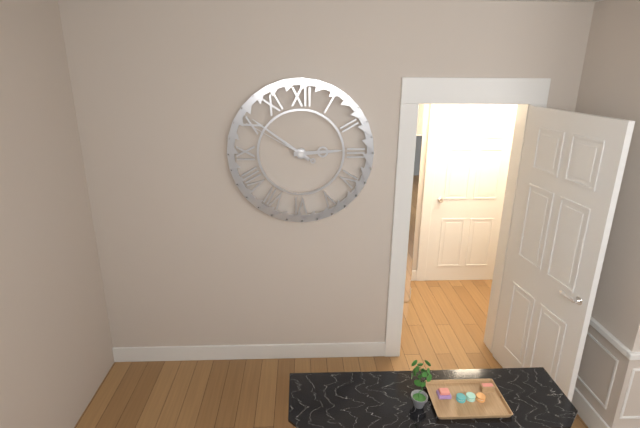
{"hour": 2, "minute": 51, "second": 50}
